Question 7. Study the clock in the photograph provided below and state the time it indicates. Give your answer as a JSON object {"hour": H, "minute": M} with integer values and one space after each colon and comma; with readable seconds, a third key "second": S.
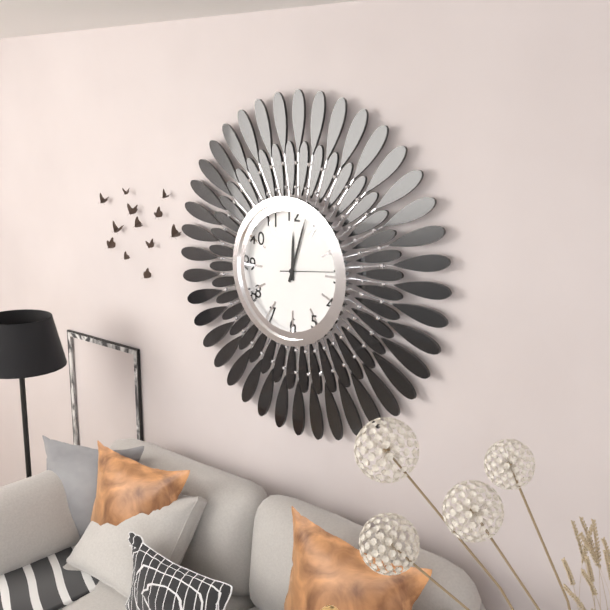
{"hour": 12, "minute": 3, "second": 14}
